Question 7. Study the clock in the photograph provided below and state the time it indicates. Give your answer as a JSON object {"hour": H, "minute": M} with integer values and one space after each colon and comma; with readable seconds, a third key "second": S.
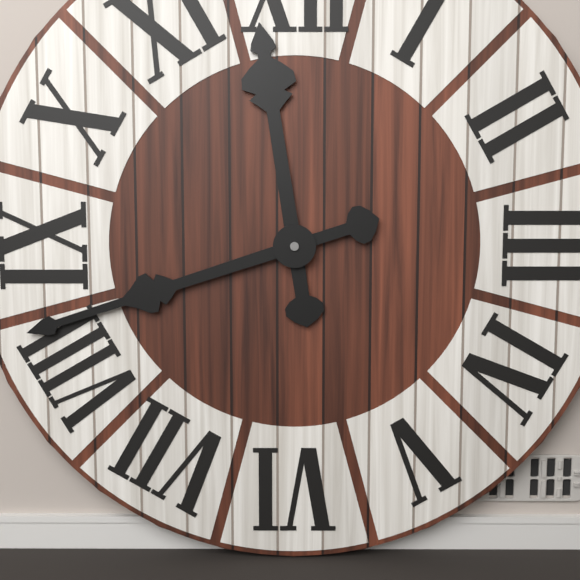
{"hour": 11, "minute": 42}
